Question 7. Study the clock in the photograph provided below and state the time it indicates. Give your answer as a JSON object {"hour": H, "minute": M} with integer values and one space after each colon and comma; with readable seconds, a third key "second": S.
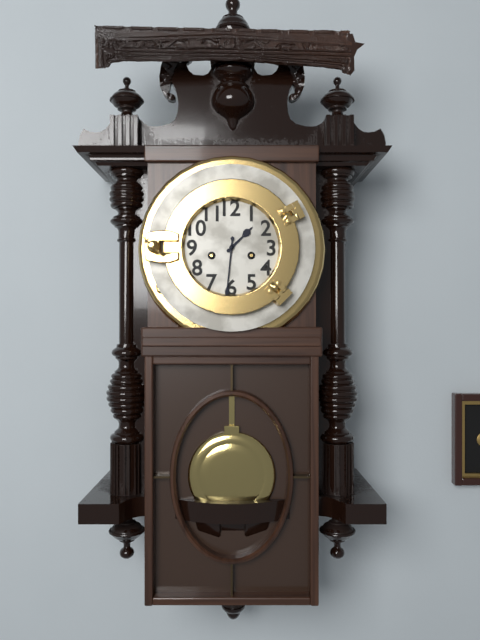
{"hour": 1, "minute": 31}
